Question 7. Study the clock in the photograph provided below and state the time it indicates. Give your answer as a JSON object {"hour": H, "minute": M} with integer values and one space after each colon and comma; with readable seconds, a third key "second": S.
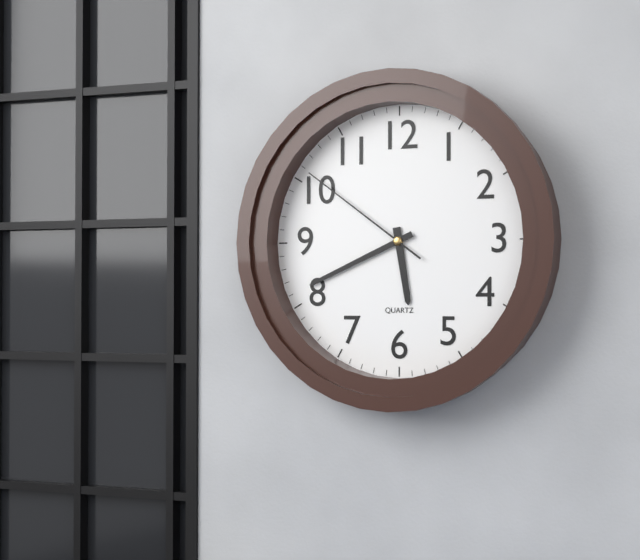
{"hour": 5, "minute": 41, "second": 51}
